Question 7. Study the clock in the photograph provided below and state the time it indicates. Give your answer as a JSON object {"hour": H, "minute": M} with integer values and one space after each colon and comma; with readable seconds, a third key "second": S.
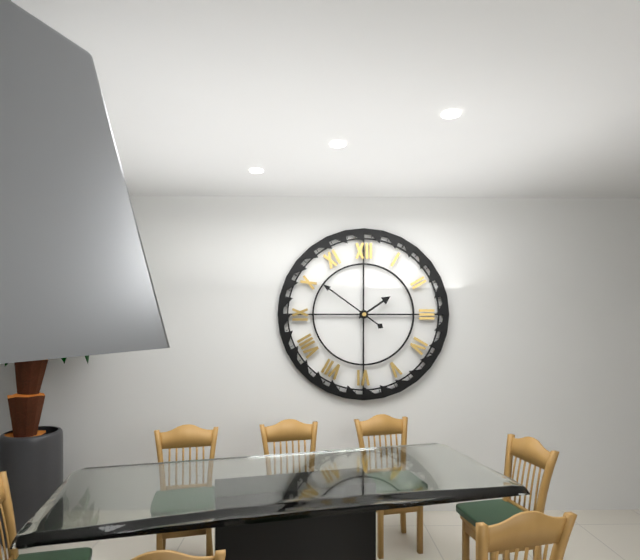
{"hour": 1, "minute": 51}
